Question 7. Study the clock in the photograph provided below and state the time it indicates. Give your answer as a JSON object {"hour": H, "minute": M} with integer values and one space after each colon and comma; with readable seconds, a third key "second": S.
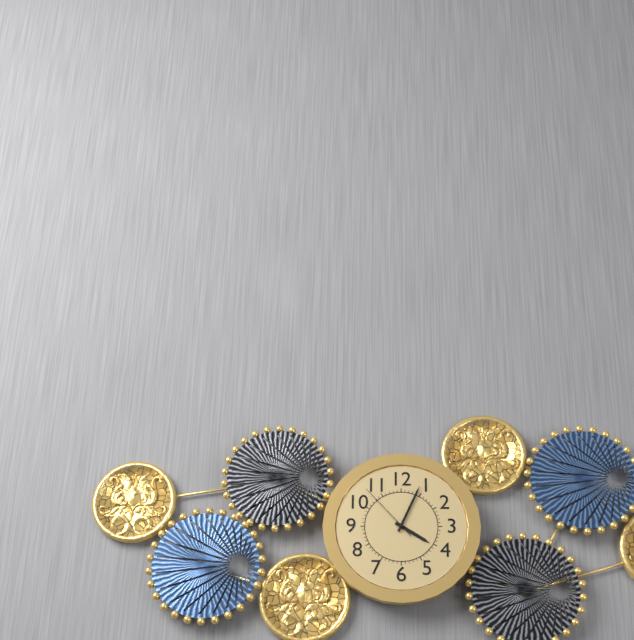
{"hour": 4, "minute": 4, "second": 53}
